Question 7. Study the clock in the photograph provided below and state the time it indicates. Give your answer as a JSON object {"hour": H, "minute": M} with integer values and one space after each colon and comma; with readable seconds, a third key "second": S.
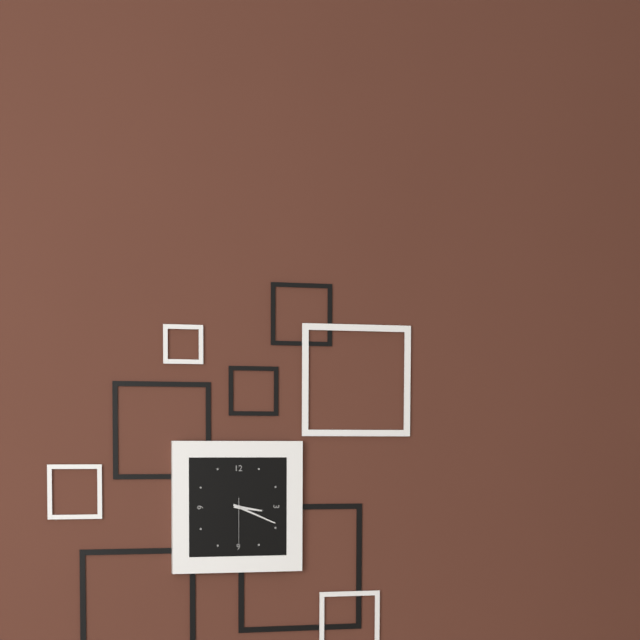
{"hour": 3, "minute": 19, "second": 30}
